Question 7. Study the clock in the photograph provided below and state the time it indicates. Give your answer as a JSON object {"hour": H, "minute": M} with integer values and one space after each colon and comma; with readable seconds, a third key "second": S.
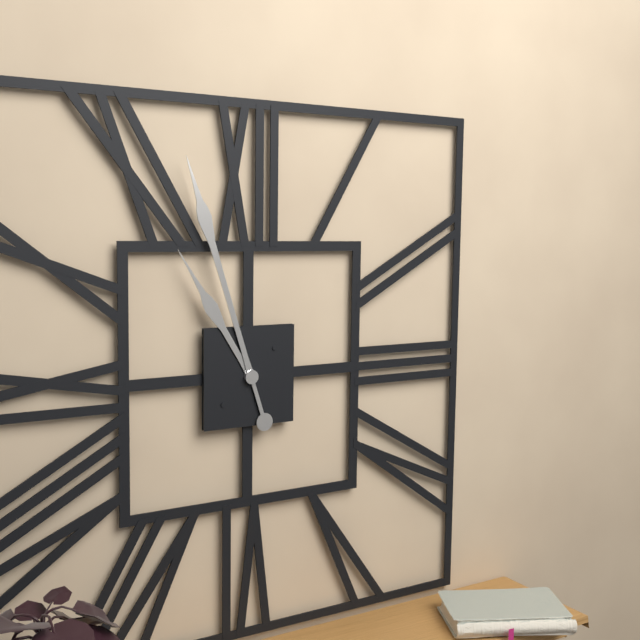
{"hour": 10, "minute": 57}
